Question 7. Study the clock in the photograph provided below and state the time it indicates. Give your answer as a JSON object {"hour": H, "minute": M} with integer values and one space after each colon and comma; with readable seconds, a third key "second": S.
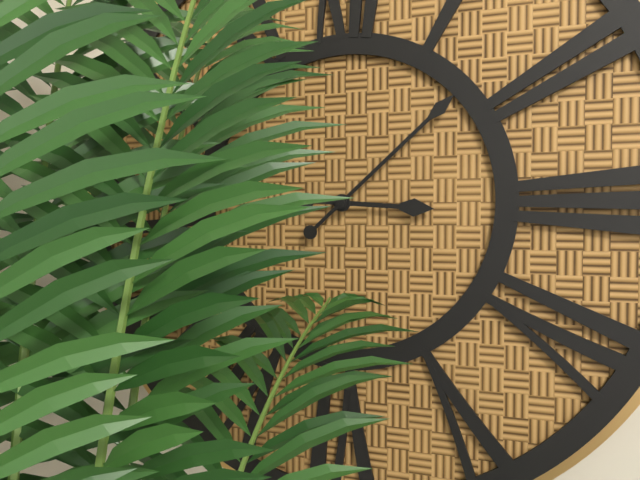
{"hour": 3, "minute": 8}
